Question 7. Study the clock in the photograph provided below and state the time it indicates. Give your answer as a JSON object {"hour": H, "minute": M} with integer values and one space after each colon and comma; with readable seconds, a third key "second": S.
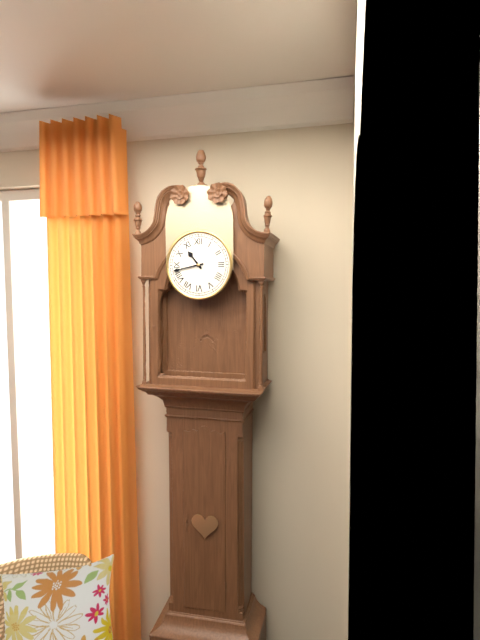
{"hour": 10, "minute": 43}
